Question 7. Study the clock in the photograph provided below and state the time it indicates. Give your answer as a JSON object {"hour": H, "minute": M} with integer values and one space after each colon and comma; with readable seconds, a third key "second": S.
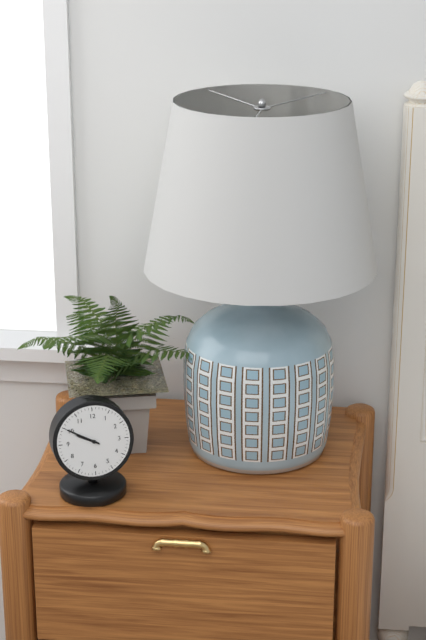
{"hour": 9, "minute": 50}
